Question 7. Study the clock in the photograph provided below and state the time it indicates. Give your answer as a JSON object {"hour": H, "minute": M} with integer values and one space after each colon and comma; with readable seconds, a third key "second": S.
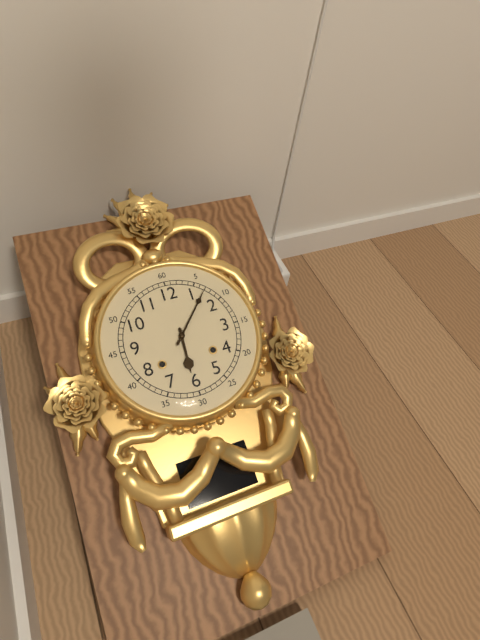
{"hour": 6, "minute": 7}
